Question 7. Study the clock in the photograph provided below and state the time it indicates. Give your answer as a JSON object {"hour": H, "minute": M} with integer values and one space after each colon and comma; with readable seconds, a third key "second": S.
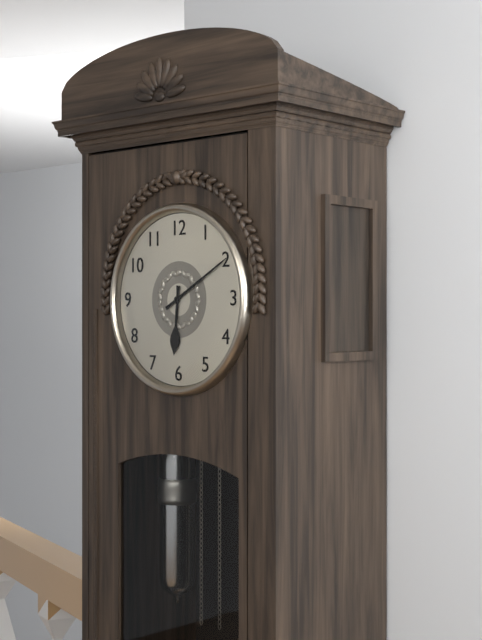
{"hour": 6, "minute": 10}
